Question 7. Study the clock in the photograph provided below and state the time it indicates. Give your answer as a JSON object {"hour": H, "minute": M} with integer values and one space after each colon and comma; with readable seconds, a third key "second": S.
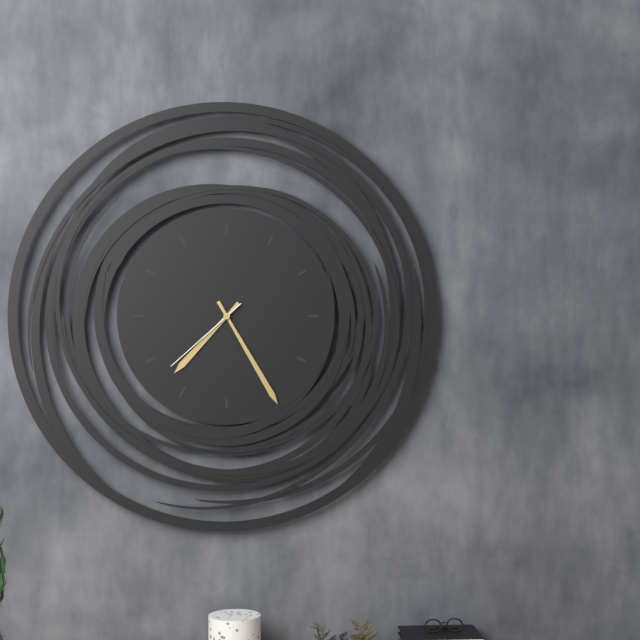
{"hour": 7, "minute": 25, "second": 38}
